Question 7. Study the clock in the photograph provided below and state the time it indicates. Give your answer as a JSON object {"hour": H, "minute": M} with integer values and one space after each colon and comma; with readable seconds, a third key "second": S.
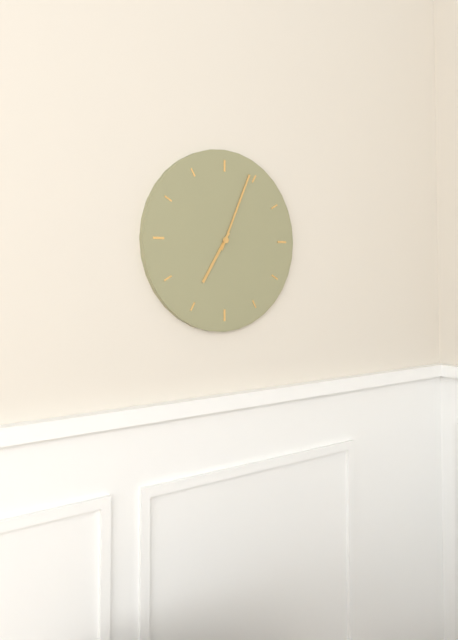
{"hour": 7, "minute": 4}
